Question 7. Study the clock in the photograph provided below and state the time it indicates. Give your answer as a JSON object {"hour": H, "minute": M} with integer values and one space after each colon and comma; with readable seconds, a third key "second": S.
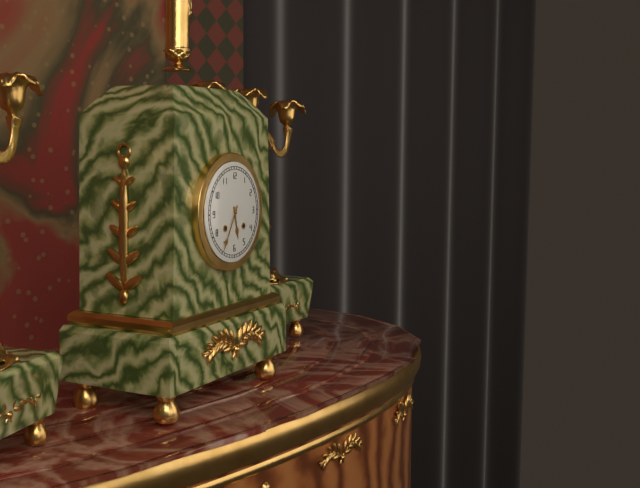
{"hour": 5, "minute": 35}
